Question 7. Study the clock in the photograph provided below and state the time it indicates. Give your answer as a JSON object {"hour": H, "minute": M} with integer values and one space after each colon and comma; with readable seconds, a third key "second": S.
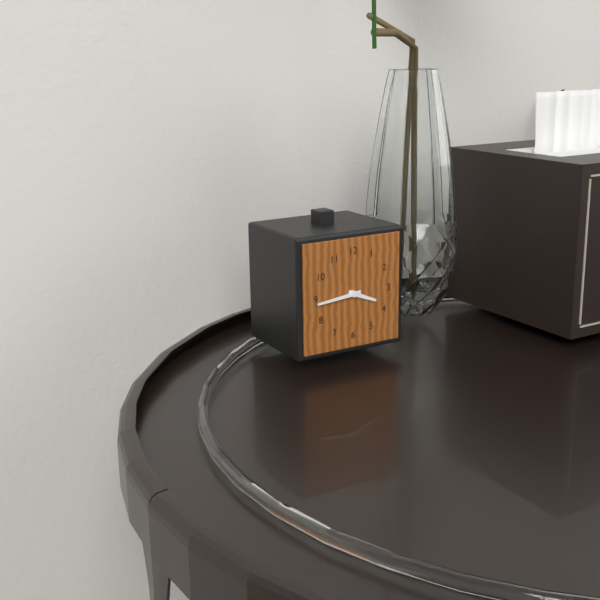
{"hour": 3, "minute": 44}
